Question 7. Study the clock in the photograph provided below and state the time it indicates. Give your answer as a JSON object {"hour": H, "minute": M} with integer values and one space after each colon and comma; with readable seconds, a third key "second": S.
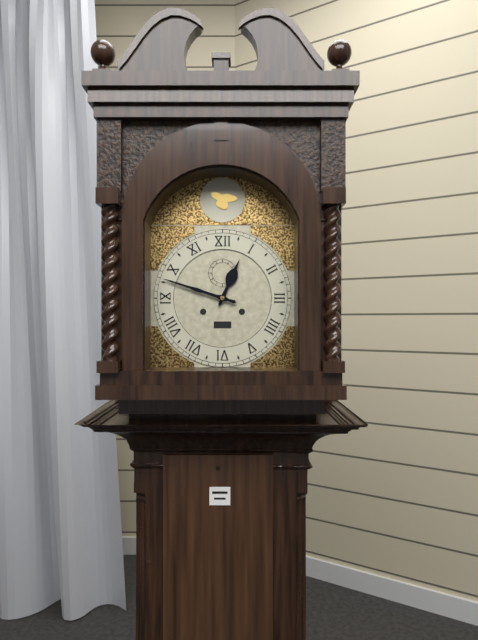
{"hour": 12, "minute": 48}
